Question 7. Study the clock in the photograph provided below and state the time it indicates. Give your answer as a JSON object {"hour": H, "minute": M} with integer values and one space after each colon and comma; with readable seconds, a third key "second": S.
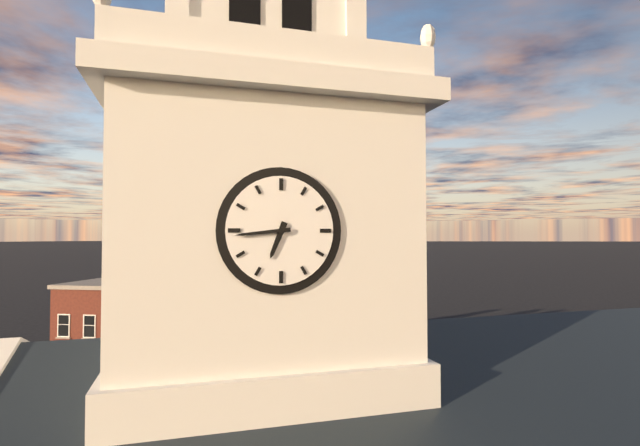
{"hour": 6, "minute": 44}
